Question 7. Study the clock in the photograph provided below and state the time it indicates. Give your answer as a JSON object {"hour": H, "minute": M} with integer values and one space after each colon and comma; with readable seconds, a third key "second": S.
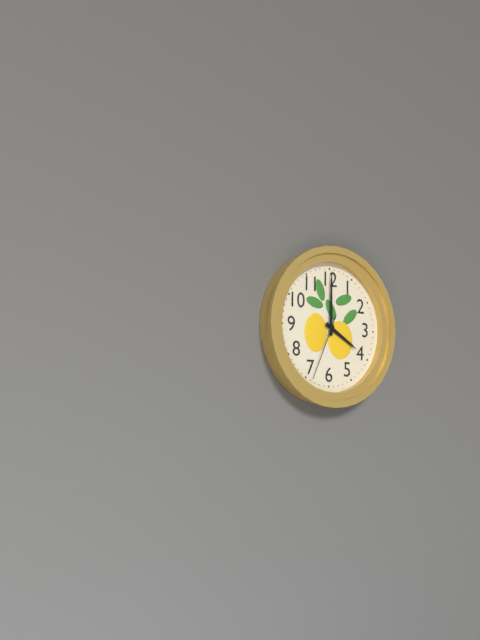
{"hour": 4, "minute": 0, "second": 34}
